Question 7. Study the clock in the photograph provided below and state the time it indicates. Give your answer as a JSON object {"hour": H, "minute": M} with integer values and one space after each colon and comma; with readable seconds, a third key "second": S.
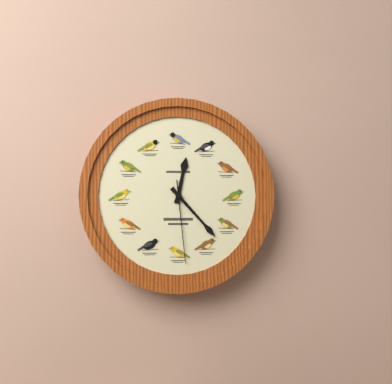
{"hour": 12, "minute": 23, "second": 29}
